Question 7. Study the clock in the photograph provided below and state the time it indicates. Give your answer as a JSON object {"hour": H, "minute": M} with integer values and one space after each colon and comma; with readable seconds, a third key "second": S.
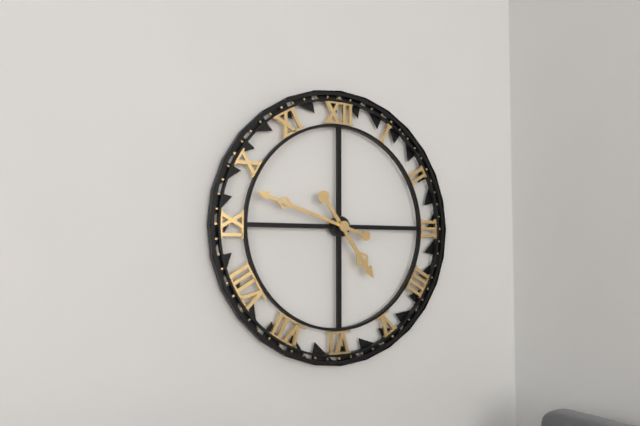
{"hour": 4, "minute": 48}
